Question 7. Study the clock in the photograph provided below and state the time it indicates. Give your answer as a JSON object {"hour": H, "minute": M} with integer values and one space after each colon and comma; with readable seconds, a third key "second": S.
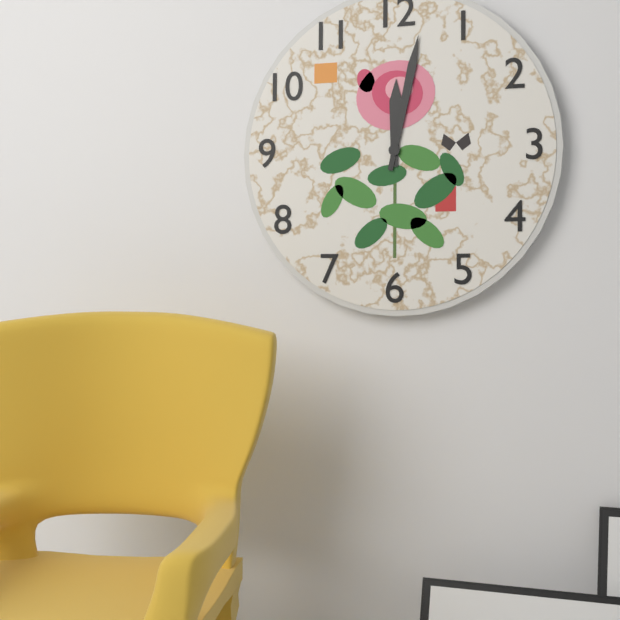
{"hour": 12, "minute": 2}
